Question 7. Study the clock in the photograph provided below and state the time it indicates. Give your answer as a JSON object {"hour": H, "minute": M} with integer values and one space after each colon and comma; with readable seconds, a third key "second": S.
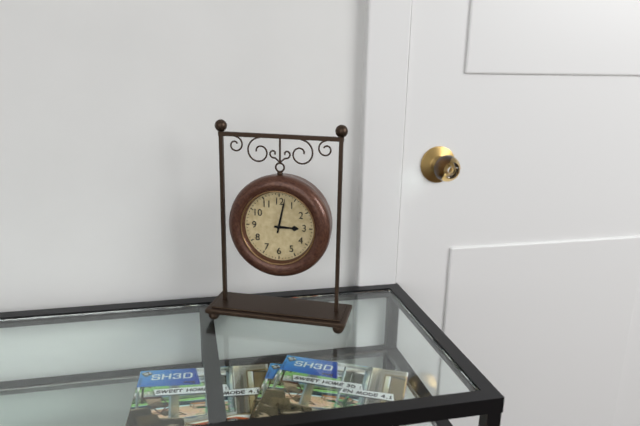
{"hour": 3, "minute": 2}
